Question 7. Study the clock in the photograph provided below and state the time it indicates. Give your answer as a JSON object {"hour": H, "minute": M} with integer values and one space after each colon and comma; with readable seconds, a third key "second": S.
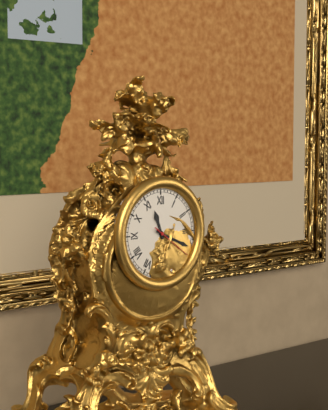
{"hour": 11, "minute": 19}
